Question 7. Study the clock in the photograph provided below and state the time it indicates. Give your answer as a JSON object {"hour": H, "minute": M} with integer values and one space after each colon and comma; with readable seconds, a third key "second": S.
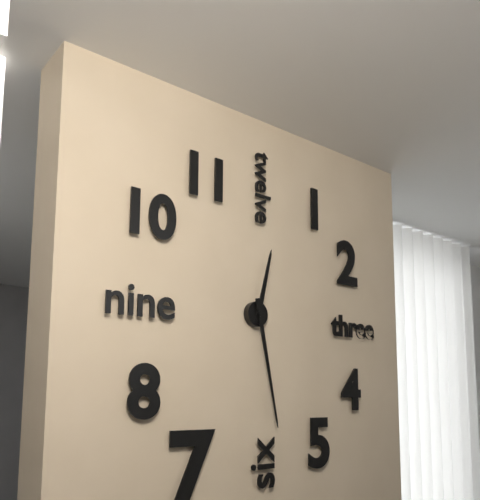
{"hour": 12, "minute": 28}
